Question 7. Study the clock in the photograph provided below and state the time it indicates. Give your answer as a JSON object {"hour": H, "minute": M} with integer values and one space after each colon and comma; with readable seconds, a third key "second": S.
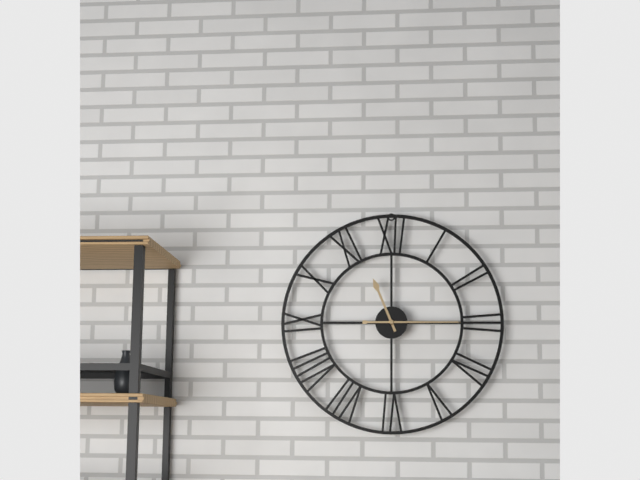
{"hour": 11, "minute": 15}
